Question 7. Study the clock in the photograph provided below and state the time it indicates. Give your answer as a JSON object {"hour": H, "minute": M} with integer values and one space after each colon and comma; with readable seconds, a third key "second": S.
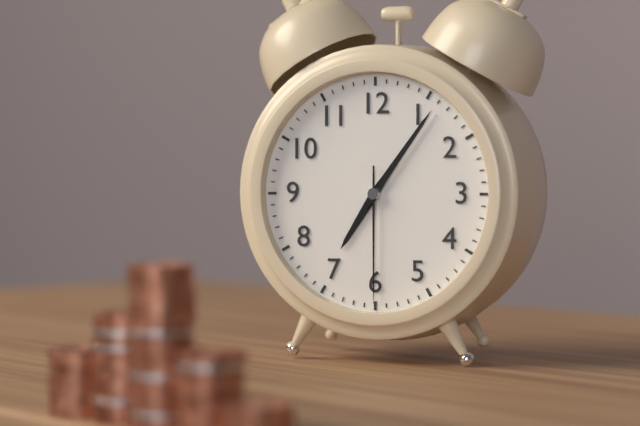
{"hour": 7, "minute": 6, "second": 30}
